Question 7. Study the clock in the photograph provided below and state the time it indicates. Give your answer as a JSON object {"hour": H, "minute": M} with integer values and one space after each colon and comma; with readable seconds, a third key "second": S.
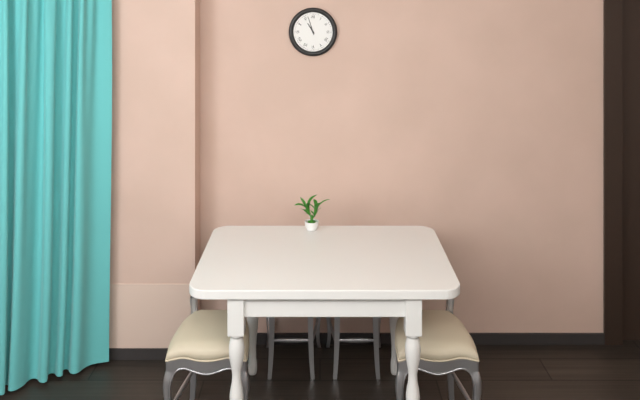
{"hour": 10, "minute": 57}
